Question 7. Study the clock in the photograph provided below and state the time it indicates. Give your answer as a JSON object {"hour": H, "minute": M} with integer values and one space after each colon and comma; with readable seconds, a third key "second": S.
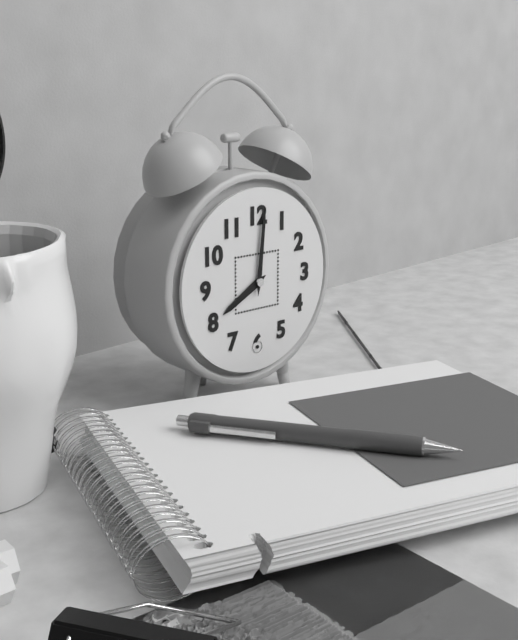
{"hour": 8, "minute": 1}
